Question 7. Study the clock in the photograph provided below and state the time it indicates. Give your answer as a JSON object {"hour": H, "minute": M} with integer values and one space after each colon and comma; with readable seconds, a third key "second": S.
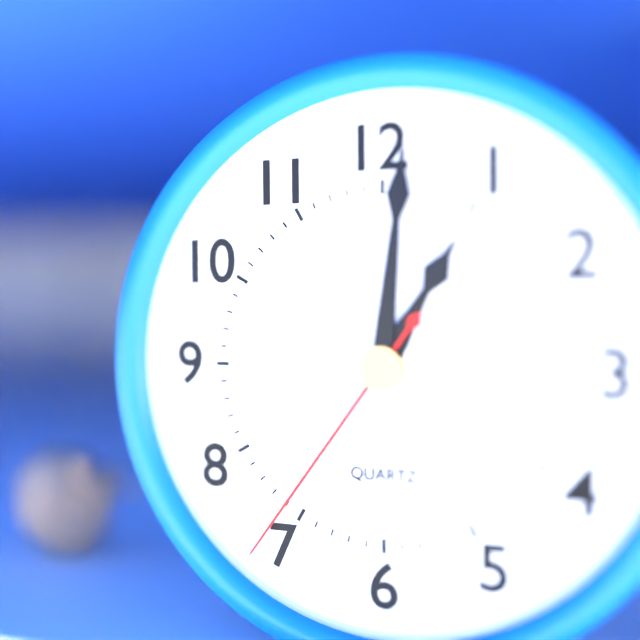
{"hour": 1, "minute": 1, "second": 36}
